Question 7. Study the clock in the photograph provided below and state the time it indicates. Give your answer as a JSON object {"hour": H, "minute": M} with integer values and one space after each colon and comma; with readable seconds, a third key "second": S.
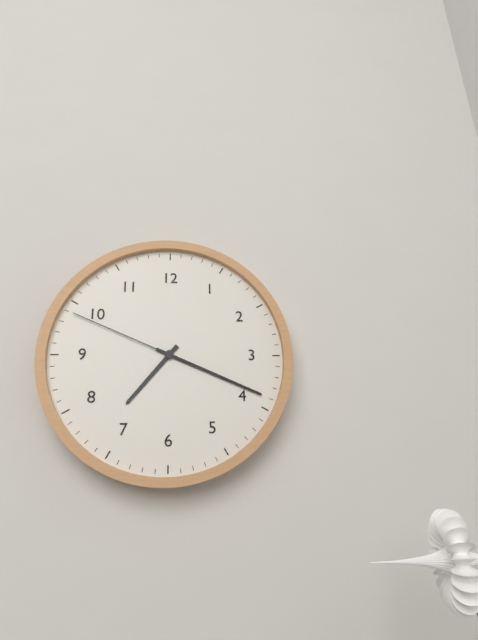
{"hour": 7, "minute": 19, "second": 49}
